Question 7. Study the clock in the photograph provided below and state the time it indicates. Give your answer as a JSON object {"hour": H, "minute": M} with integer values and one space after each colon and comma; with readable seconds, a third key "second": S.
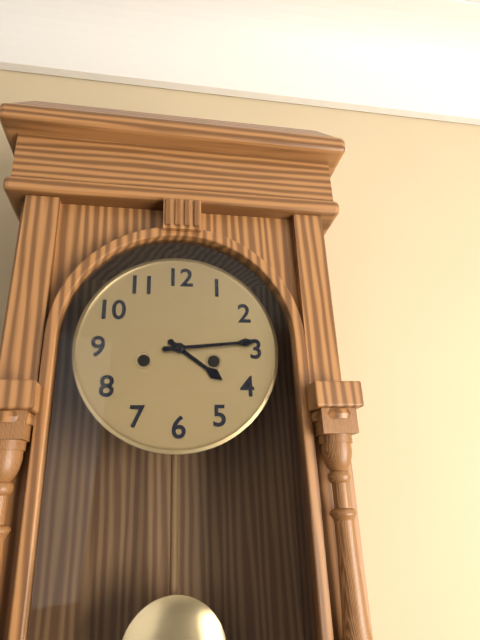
{"hour": 4, "minute": 14}
